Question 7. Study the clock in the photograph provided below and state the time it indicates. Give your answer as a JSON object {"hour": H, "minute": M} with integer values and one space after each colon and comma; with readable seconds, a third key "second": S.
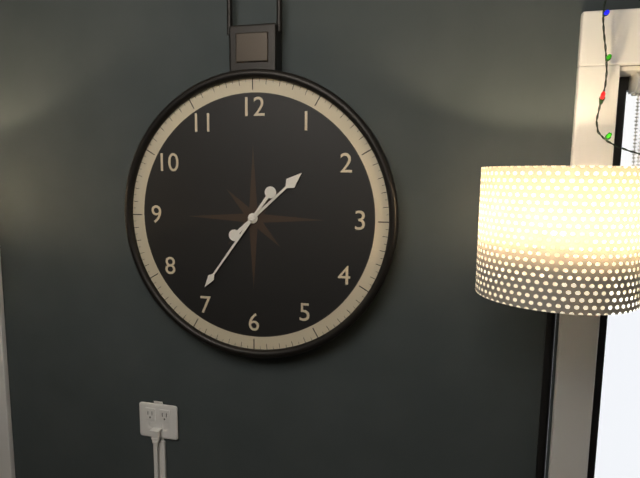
{"hour": 1, "minute": 36}
